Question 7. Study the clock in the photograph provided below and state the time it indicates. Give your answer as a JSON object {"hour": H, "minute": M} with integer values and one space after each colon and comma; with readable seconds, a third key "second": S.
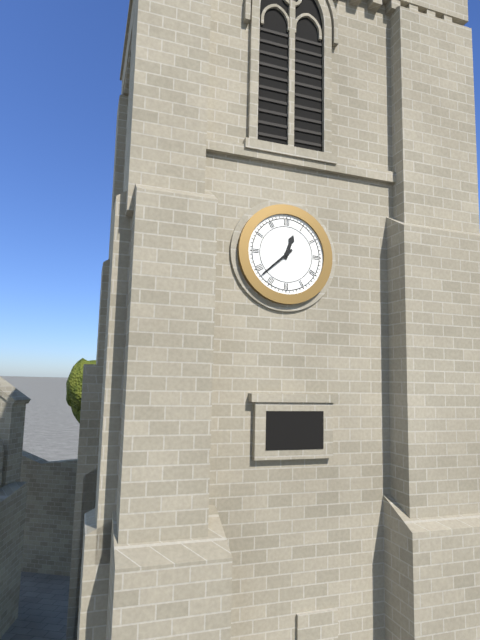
{"hour": 12, "minute": 38}
